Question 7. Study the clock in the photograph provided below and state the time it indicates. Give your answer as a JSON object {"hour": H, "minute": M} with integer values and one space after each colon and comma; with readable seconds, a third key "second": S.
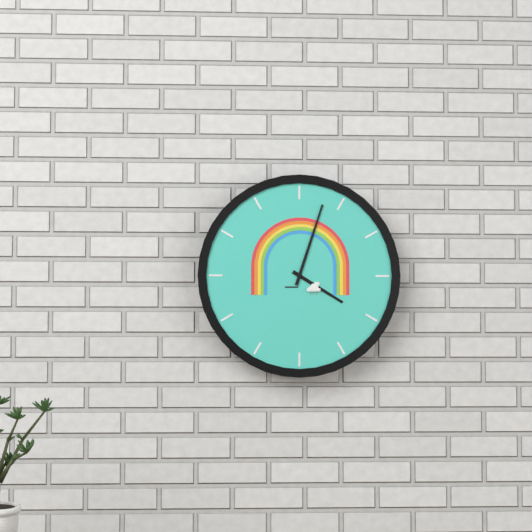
{"hour": 4, "minute": 3}
